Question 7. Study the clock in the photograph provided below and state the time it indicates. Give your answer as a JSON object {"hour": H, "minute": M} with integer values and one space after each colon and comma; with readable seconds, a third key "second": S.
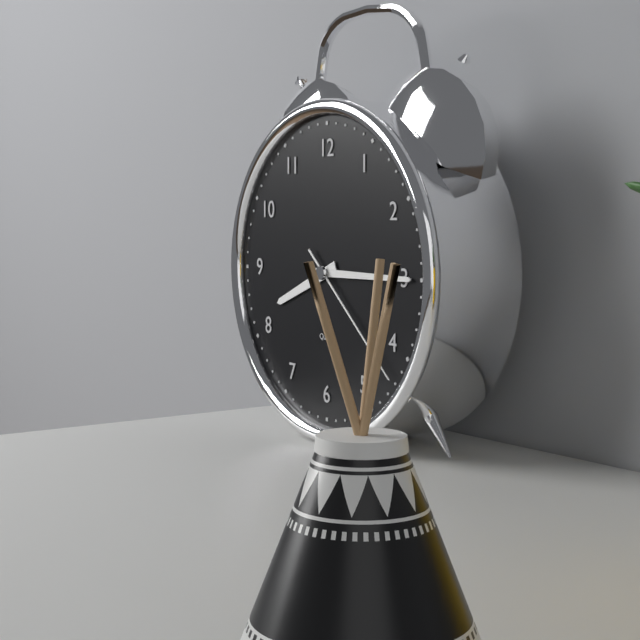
{"hour": 8, "minute": 15, "second": 22}
